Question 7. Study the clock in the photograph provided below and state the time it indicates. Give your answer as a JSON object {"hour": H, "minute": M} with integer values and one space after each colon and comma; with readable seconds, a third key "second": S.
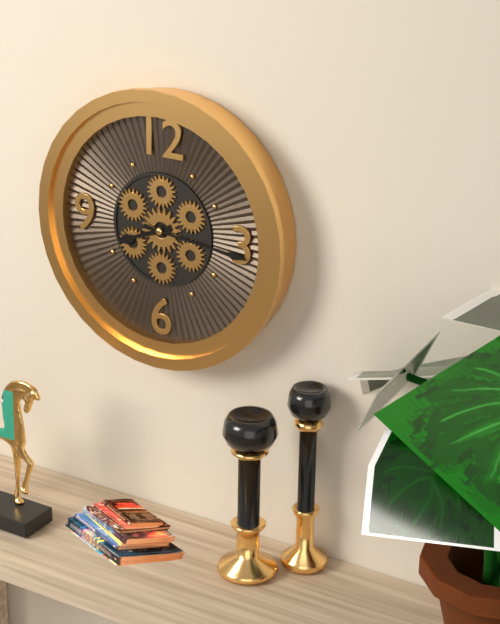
{"hour": 8, "minute": 16}
